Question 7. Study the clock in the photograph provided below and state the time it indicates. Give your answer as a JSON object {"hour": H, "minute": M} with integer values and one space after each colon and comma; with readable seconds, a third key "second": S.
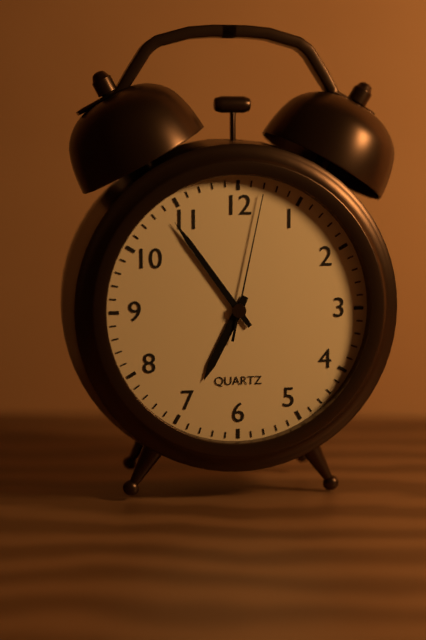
{"hour": 6, "minute": 54, "second": 2}
